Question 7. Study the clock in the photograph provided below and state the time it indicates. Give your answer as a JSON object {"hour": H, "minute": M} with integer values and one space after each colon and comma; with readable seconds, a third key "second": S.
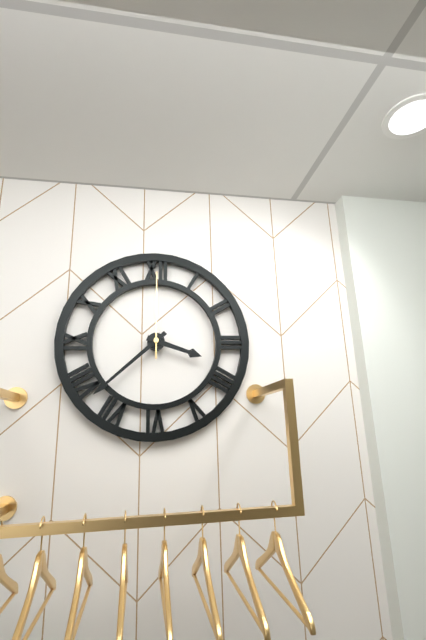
{"hour": 3, "minute": 38, "second": 0}
